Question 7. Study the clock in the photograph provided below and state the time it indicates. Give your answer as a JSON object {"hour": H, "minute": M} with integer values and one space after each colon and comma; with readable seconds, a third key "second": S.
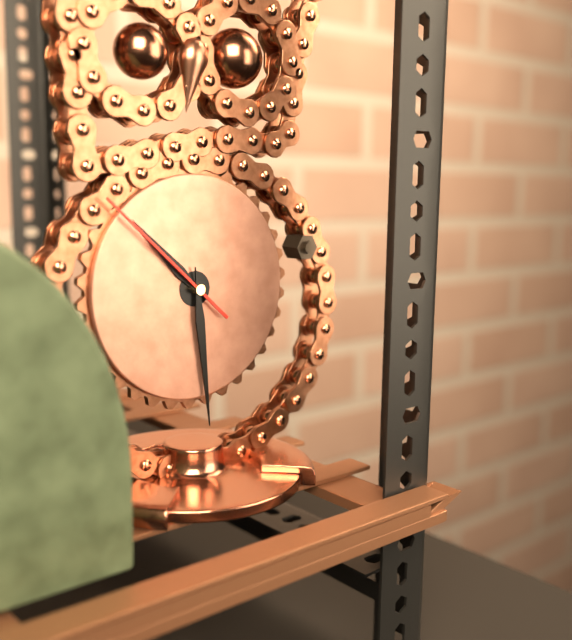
{"hour": 10, "minute": 29, "second": 52}
